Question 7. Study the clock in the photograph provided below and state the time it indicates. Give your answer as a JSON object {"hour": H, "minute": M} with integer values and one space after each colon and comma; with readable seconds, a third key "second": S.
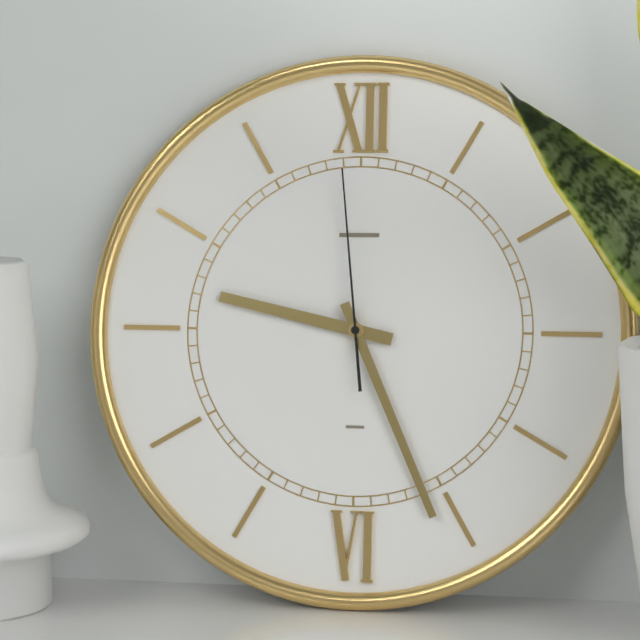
{"hour": 9, "minute": 26, "second": 59}
